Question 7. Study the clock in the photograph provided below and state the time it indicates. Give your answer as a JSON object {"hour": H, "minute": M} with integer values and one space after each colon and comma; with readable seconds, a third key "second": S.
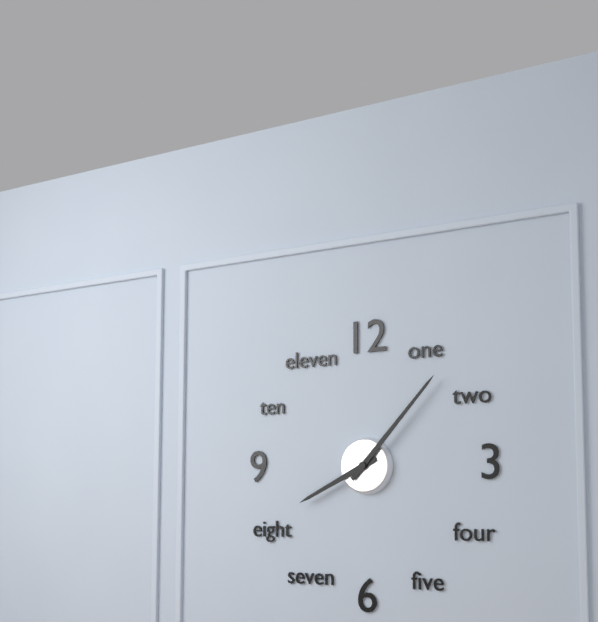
{"hour": 8, "minute": 7}
